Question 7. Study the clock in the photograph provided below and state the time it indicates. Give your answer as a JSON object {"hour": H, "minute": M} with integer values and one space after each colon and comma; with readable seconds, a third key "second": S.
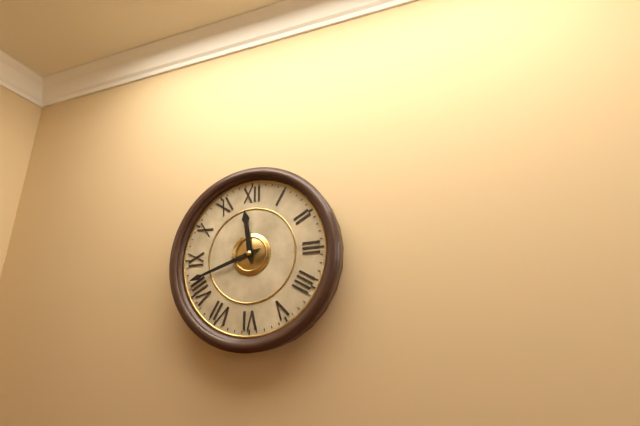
{"hour": 11, "minute": 42}
